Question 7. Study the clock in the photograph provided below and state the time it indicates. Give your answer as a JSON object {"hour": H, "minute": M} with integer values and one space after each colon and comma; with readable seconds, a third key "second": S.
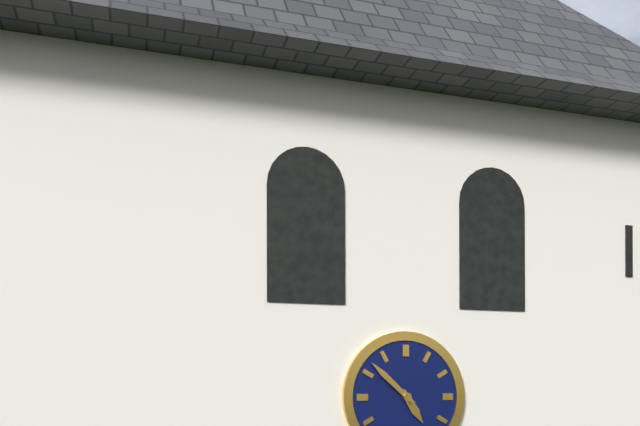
{"hour": 4, "minute": 52}
